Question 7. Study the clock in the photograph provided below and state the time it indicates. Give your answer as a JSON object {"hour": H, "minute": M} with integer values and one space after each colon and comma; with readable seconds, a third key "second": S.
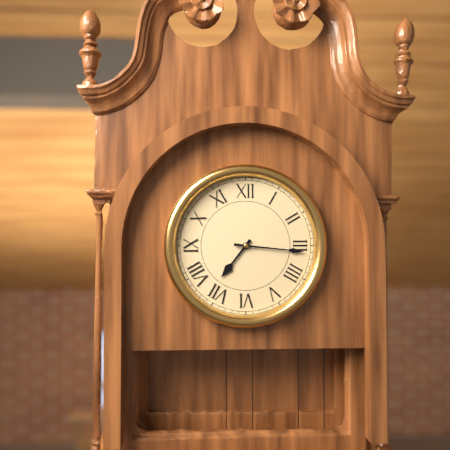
{"hour": 7, "minute": 16}
